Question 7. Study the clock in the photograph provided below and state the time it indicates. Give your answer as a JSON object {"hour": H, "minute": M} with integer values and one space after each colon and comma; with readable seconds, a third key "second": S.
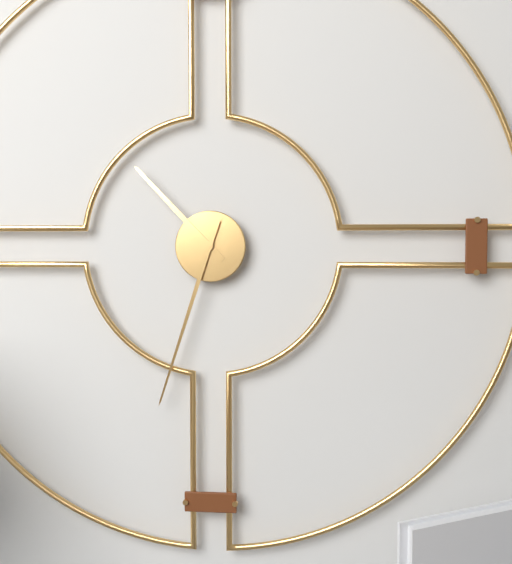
{"hour": 10, "minute": 33}
